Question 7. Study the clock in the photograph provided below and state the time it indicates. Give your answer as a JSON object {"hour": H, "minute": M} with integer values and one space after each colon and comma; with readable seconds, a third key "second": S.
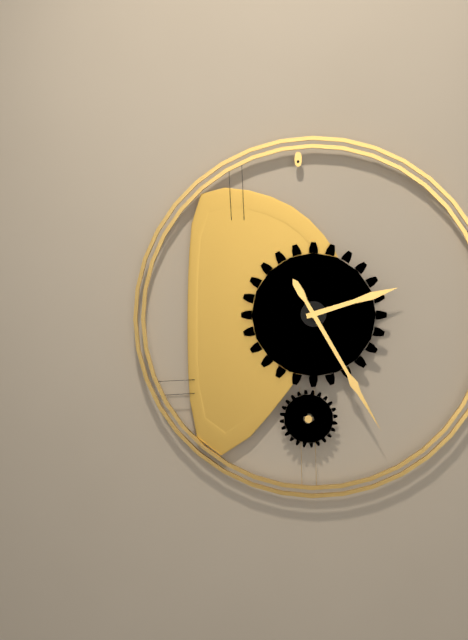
{"hour": 2, "minute": 25}
